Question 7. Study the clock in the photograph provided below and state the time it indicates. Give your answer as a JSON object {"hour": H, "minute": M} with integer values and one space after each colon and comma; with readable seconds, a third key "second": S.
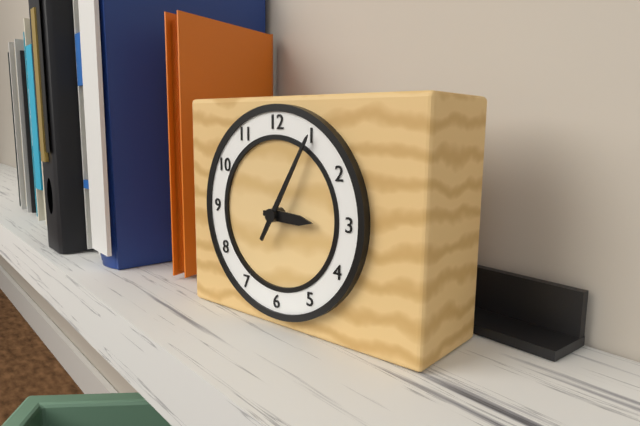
{"hour": 3, "minute": 5}
